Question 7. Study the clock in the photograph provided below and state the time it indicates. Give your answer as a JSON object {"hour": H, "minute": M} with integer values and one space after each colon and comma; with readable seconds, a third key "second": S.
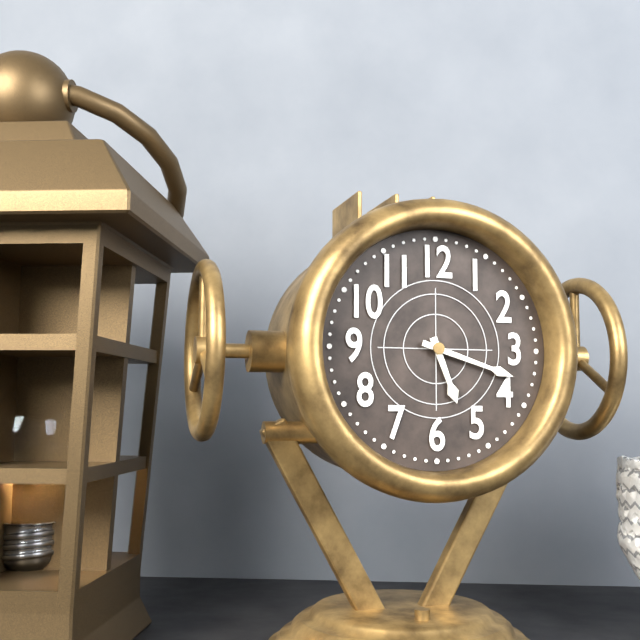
{"hour": 5, "minute": 18}
